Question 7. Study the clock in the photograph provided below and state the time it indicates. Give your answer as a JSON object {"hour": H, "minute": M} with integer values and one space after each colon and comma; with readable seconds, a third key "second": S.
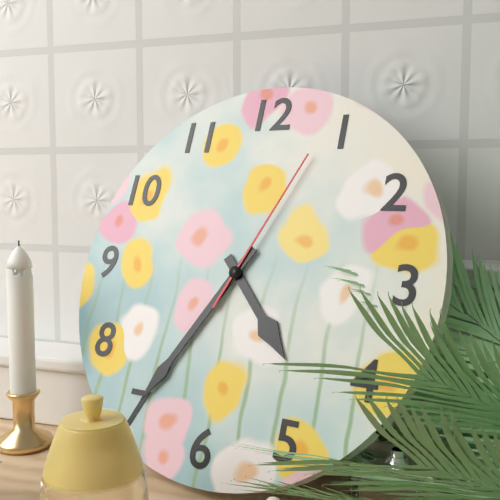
{"hour": 4, "minute": 35, "second": 4}
